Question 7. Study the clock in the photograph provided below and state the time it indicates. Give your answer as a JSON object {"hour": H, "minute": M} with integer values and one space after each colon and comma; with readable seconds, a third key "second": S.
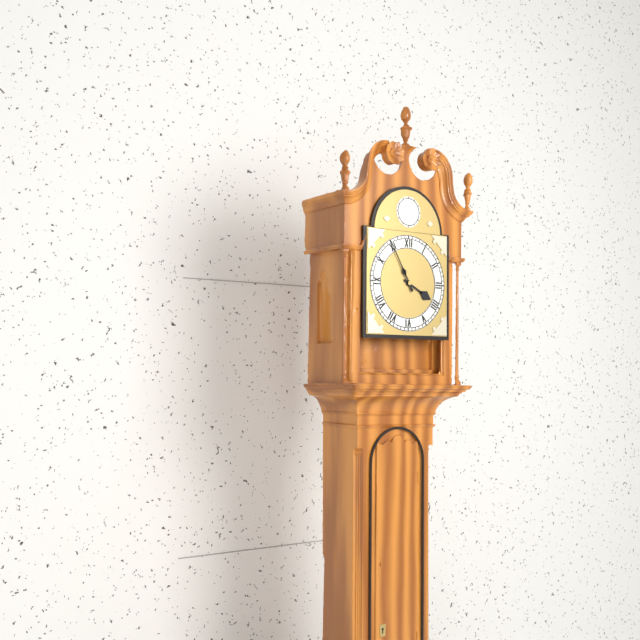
{"hour": 3, "minute": 55}
